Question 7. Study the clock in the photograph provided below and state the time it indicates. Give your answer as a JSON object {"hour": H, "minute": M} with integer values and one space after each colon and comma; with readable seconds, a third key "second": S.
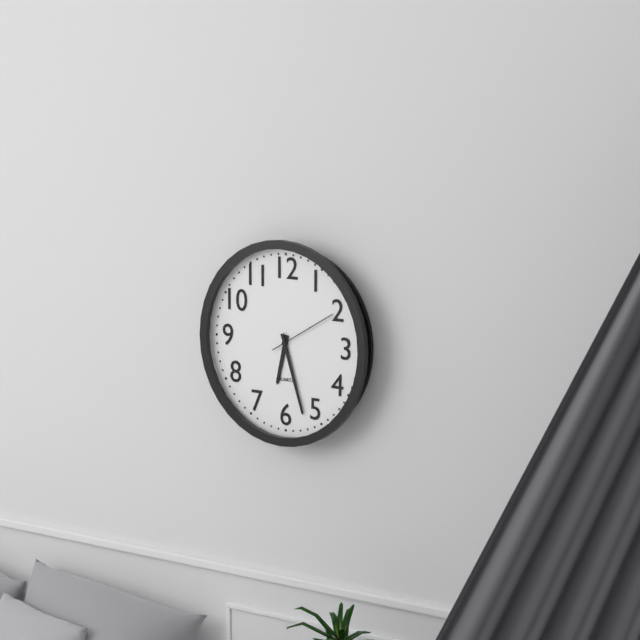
{"hour": 6, "minute": 27, "second": 10}
